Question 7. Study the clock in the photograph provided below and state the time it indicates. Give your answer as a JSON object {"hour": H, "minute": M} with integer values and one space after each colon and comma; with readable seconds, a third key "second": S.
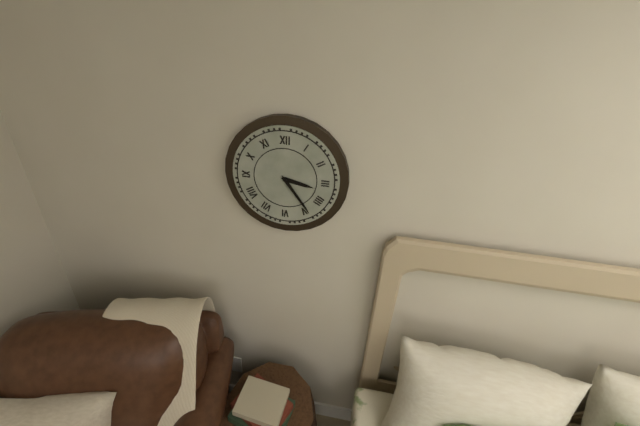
{"hour": 3, "minute": 24}
